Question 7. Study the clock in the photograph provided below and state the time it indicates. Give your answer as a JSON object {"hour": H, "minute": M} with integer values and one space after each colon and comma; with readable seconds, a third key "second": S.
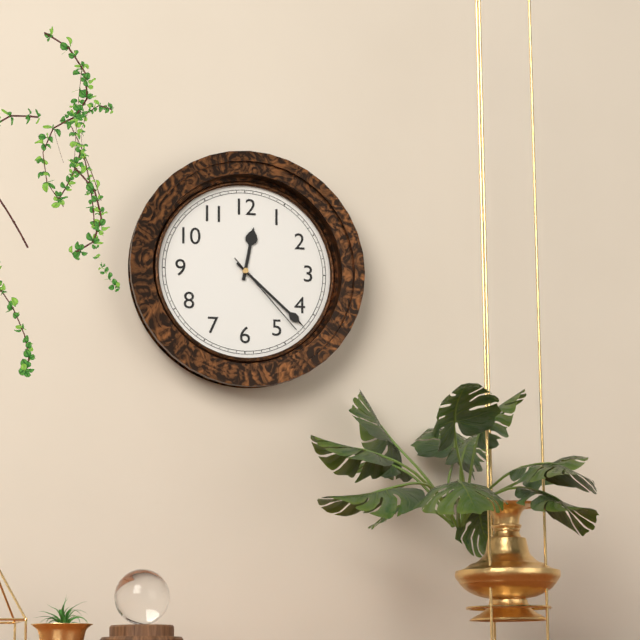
{"hour": 12, "minute": 22, "second": 23}
